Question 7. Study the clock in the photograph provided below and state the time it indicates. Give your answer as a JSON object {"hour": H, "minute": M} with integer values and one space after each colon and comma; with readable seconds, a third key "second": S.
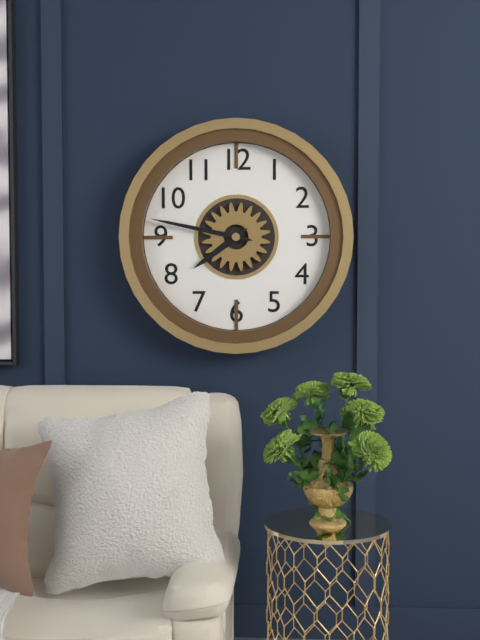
{"hour": 7, "minute": 47}
